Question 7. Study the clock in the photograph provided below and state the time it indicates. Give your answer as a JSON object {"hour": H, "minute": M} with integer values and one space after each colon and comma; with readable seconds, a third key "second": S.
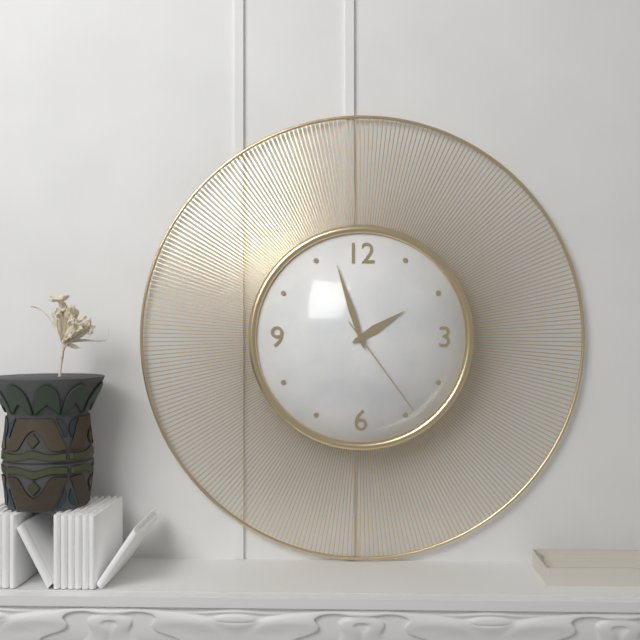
{"hour": 1, "minute": 57, "second": 24}
